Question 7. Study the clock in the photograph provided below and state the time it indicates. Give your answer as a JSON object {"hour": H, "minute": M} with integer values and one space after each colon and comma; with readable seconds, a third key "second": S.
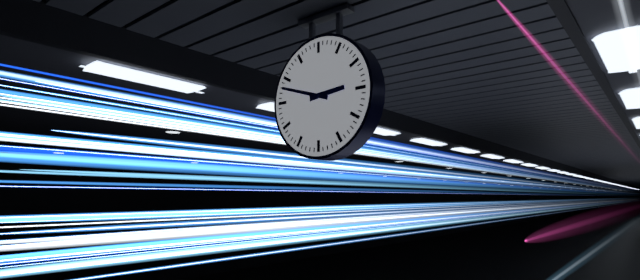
{"hour": 2, "minute": 48}
